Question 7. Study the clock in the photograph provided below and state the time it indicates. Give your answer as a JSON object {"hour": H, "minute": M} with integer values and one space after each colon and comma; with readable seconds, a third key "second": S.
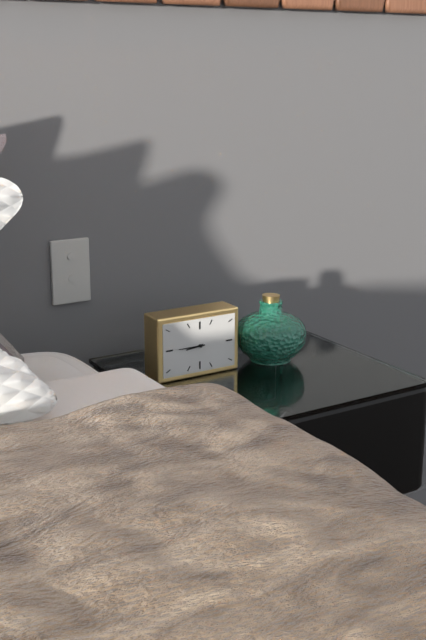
{"hour": 8, "minute": 45}
